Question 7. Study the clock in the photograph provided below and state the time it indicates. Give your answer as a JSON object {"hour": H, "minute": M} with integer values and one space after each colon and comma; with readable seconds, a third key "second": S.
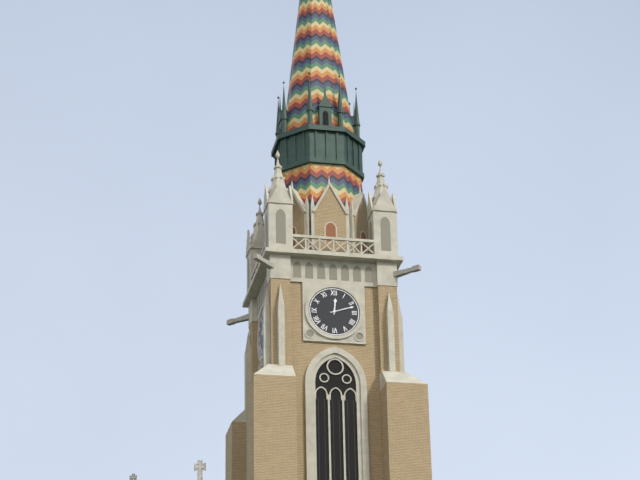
{"hour": 12, "minute": 12}
